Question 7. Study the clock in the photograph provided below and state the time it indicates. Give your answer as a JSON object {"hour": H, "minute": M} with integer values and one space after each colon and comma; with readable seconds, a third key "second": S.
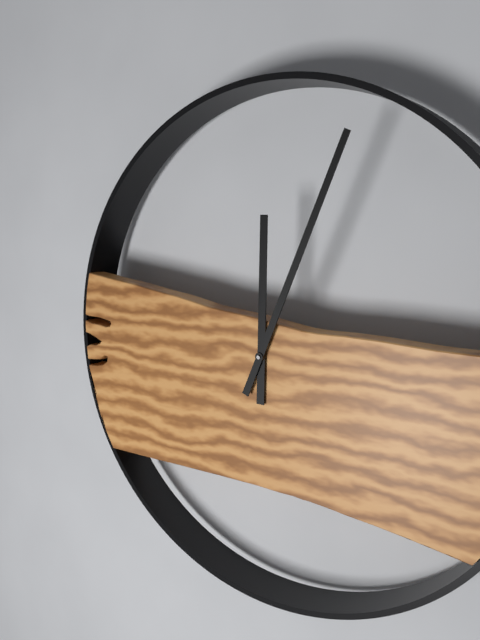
{"hour": 12, "minute": 4}
